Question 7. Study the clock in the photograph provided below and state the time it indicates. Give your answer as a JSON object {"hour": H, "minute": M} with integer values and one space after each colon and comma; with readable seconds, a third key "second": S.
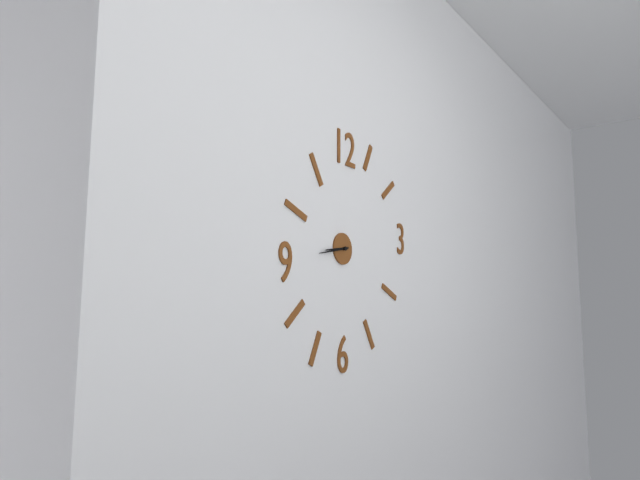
{"hour": 8, "minute": 43}
